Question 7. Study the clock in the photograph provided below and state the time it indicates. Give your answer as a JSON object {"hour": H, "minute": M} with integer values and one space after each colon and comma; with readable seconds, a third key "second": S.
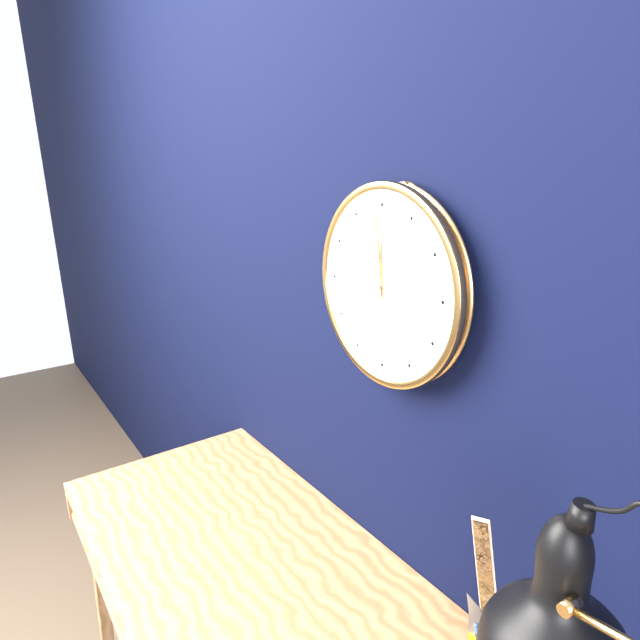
{"hour": 11, "minute": 59}
